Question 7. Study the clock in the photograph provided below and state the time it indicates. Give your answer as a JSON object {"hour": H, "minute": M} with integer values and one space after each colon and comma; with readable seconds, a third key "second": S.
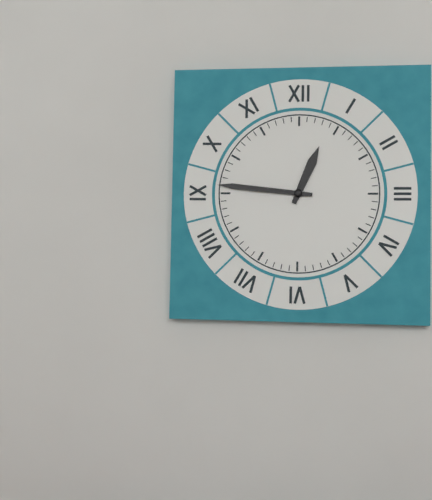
{"hour": 12, "minute": 46}
